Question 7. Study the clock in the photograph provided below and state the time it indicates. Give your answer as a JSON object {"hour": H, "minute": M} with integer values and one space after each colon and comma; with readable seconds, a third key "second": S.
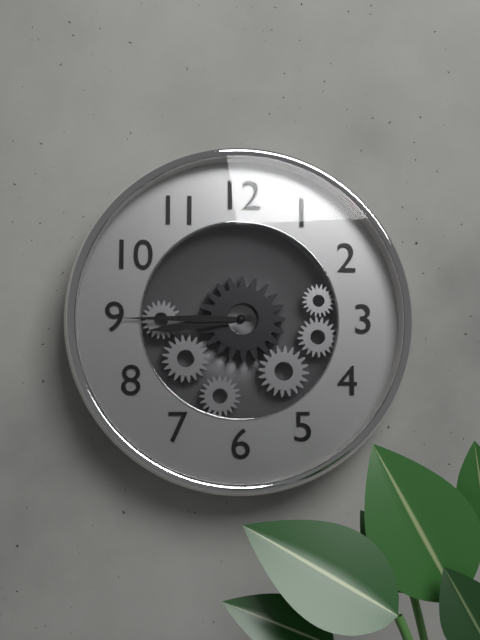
{"hour": 8, "minute": 45}
